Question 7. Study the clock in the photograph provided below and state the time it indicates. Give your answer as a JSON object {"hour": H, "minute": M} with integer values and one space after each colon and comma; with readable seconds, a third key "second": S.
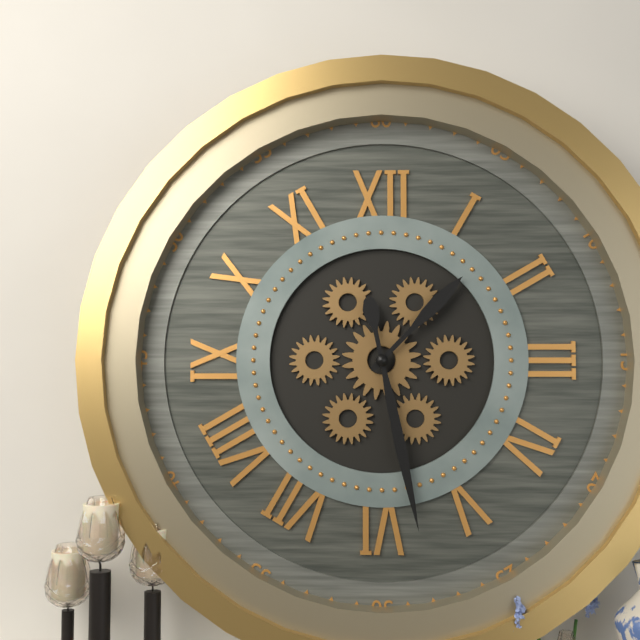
{"hour": 1, "minute": 28}
